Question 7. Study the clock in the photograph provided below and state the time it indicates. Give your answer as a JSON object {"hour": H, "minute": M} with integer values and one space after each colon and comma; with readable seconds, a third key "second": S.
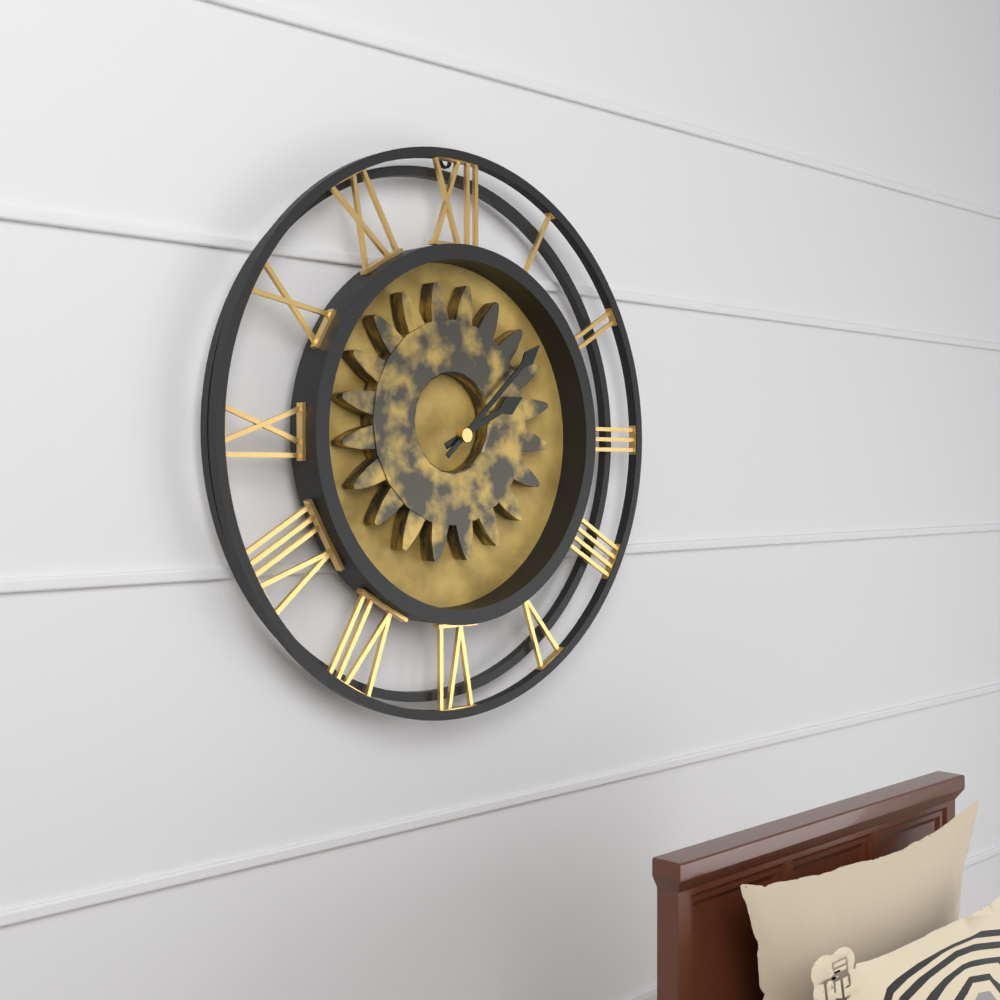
{"hour": 2, "minute": 8}
